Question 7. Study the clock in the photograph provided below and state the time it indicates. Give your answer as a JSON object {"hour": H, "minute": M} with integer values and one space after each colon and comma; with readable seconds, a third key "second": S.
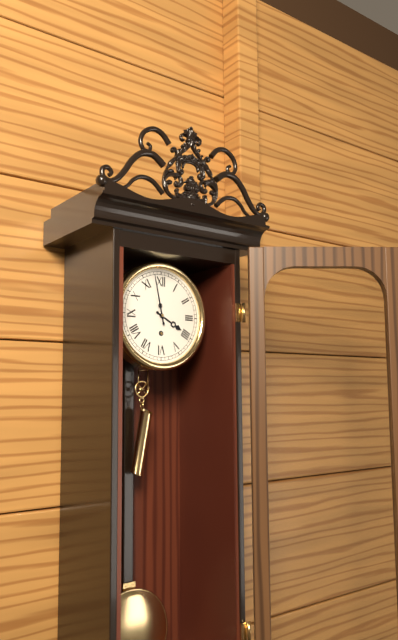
{"hour": 3, "minute": 58}
